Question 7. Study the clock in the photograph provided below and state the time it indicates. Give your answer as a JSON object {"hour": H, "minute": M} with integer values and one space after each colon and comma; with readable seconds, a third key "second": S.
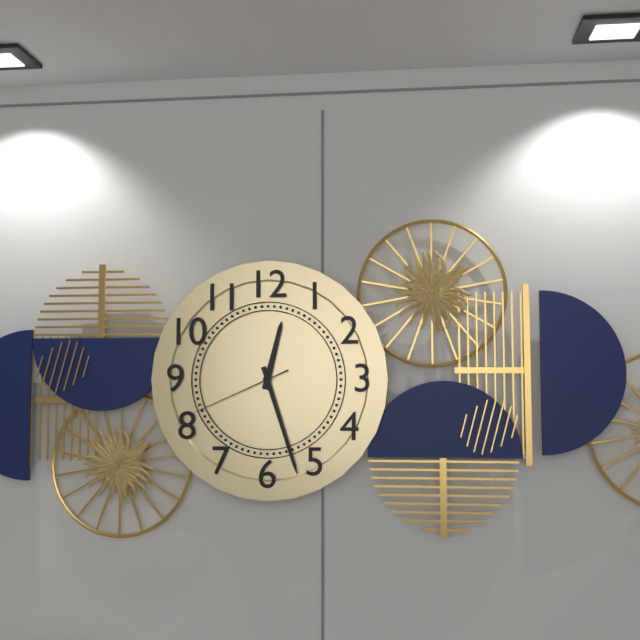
{"hour": 12, "minute": 27, "second": 41}
